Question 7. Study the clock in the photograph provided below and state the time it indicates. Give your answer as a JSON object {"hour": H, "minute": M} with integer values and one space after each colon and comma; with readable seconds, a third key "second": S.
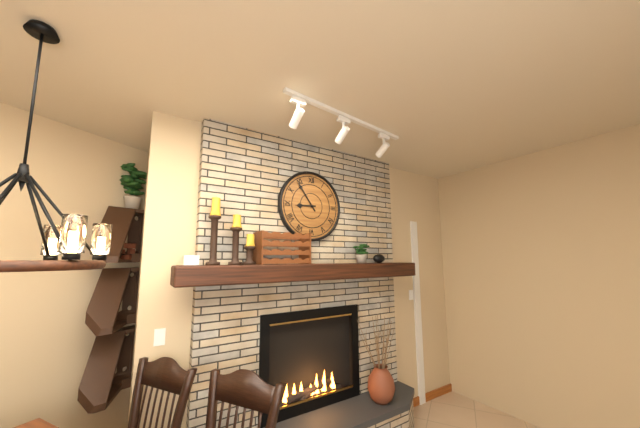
{"hour": 8, "minute": 54}
